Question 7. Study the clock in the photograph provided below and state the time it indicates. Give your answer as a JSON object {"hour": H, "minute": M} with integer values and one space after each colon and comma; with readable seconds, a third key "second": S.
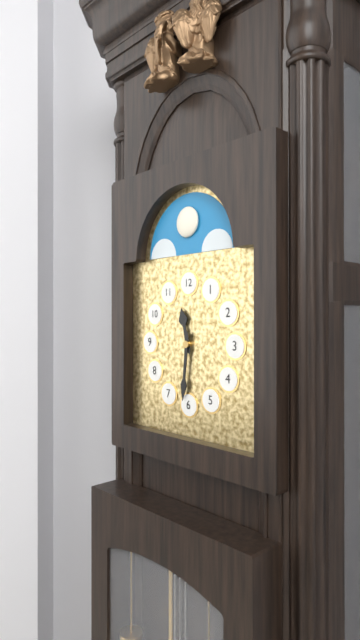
{"hour": 11, "minute": 31}
